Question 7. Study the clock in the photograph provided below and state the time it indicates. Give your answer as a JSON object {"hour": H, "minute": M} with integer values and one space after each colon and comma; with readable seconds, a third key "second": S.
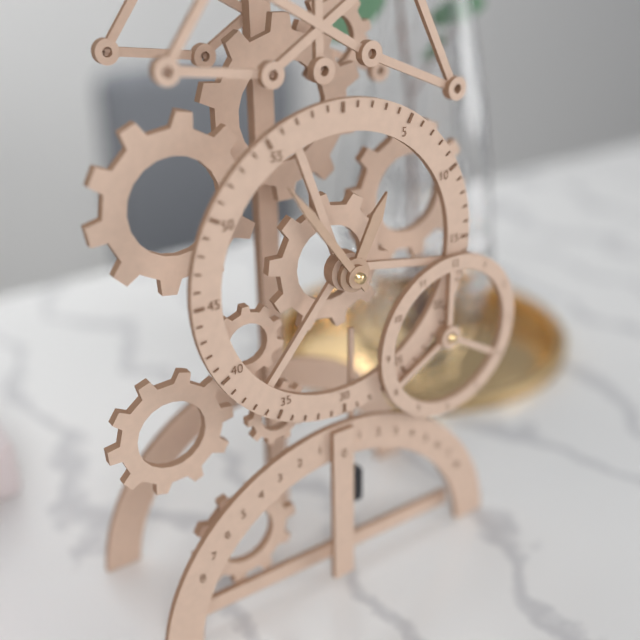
{"hour": 12, "minute": 54}
